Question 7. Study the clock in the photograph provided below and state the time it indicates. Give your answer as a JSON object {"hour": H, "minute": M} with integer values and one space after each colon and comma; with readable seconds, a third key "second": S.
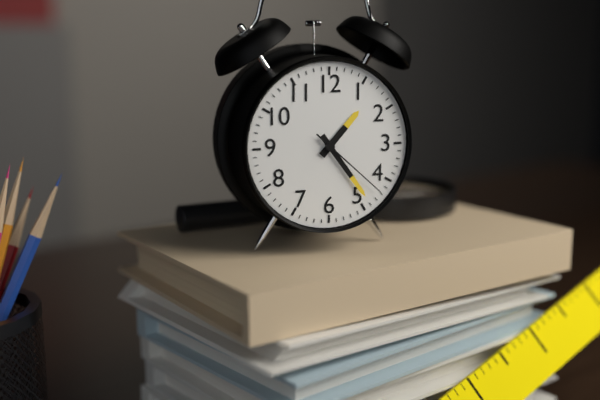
{"hour": 1, "minute": 24, "second": 22}
